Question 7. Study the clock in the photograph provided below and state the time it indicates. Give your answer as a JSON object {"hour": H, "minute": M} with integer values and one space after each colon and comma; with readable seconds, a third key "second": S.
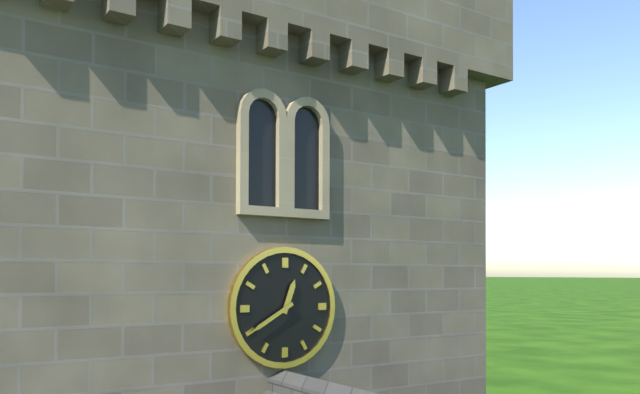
{"hour": 12, "minute": 40}
